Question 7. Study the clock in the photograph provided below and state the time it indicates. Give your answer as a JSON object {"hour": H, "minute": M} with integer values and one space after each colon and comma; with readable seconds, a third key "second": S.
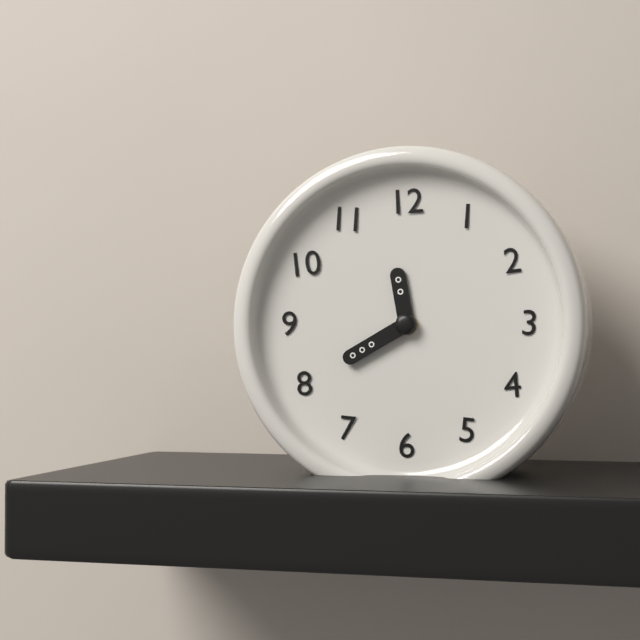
{"hour": 11, "minute": 40}
